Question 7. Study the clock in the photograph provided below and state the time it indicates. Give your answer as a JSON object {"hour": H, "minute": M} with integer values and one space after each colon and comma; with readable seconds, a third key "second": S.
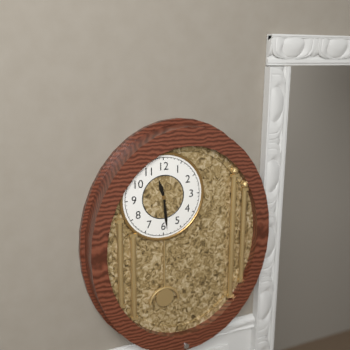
{"hour": 11, "minute": 29}
